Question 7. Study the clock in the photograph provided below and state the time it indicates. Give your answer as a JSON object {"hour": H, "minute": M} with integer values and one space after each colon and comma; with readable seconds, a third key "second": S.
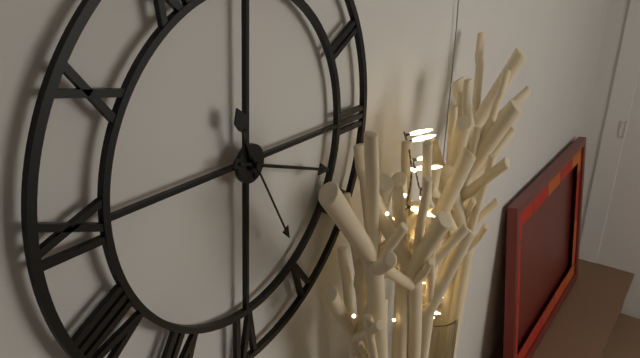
{"hour": 11, "minute": 18, "second": 25}
